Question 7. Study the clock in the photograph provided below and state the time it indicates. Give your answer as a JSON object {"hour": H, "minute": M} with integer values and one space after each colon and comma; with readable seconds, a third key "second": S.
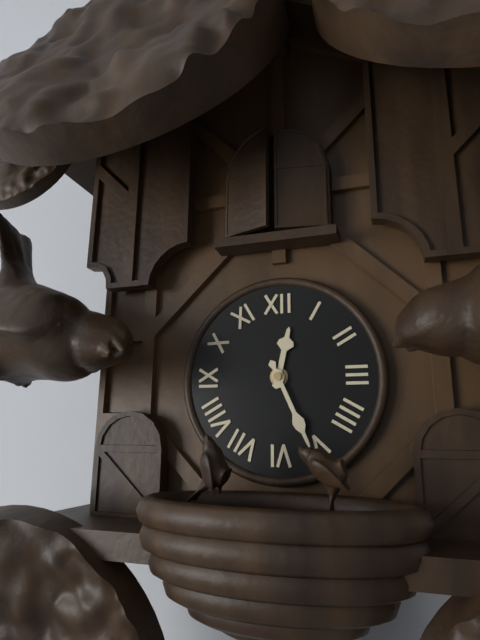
{"hour": 12, "minute": 26}
